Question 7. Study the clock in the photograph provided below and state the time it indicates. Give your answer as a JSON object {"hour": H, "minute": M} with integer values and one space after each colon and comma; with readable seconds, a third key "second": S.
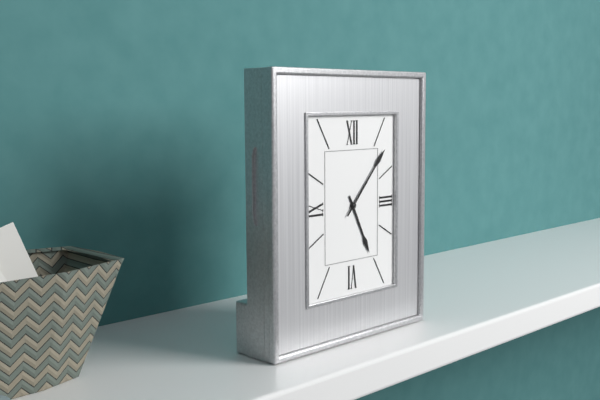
{"hour": 5, "minute": 7}
